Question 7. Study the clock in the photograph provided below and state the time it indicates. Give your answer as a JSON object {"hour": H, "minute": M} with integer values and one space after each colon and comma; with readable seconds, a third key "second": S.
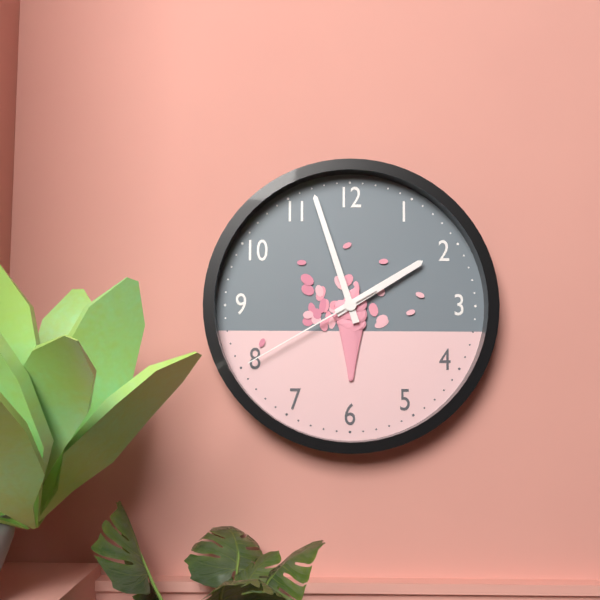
{"hour": 1, "minute": 57, "second": 40}
